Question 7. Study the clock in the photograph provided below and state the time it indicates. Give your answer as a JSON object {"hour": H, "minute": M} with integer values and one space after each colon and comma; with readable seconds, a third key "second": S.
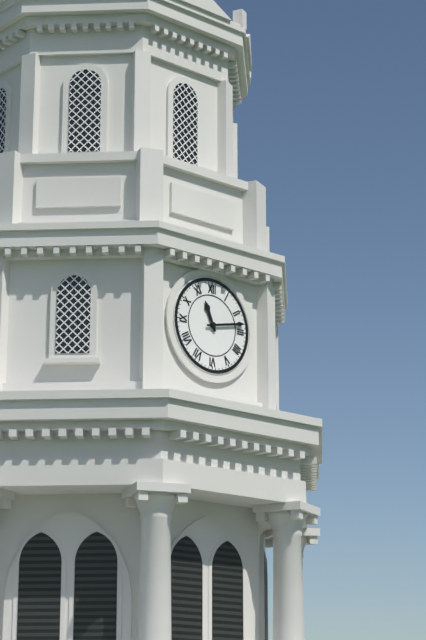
{"hour": 11, "minute": 13}
